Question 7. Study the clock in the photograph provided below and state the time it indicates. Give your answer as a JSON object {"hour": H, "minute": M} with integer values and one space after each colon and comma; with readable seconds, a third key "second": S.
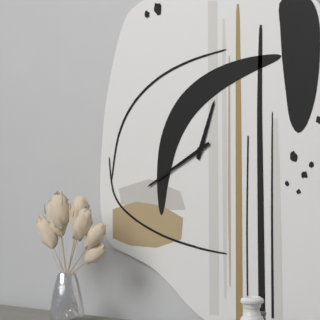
{"hour": 12, "minute": 40}
